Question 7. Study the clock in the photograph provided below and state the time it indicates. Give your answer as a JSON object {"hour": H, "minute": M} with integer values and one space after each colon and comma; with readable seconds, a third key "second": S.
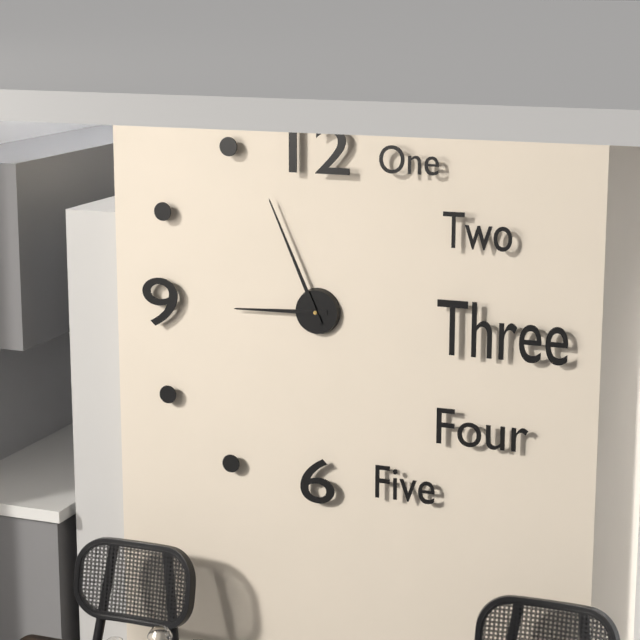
{"hour": 8, "minute": 56}
